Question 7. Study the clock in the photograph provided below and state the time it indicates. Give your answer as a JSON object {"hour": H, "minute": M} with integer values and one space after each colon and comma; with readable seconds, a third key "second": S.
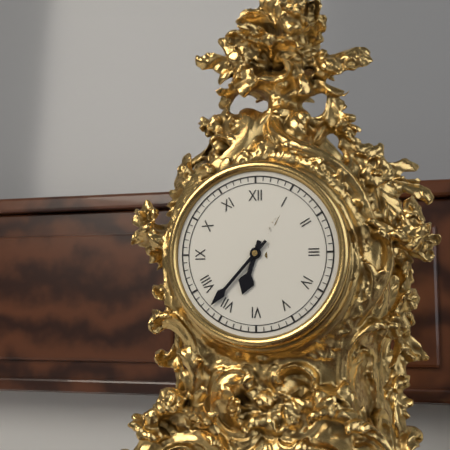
{"hour": 6, "minute": 37}
